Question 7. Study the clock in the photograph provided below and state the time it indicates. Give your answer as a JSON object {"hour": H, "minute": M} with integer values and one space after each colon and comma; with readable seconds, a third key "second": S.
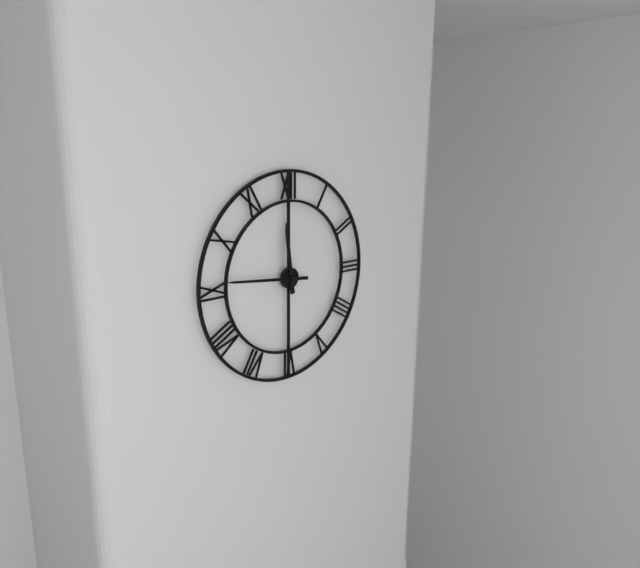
{"hour": 11, "minute": 46}
